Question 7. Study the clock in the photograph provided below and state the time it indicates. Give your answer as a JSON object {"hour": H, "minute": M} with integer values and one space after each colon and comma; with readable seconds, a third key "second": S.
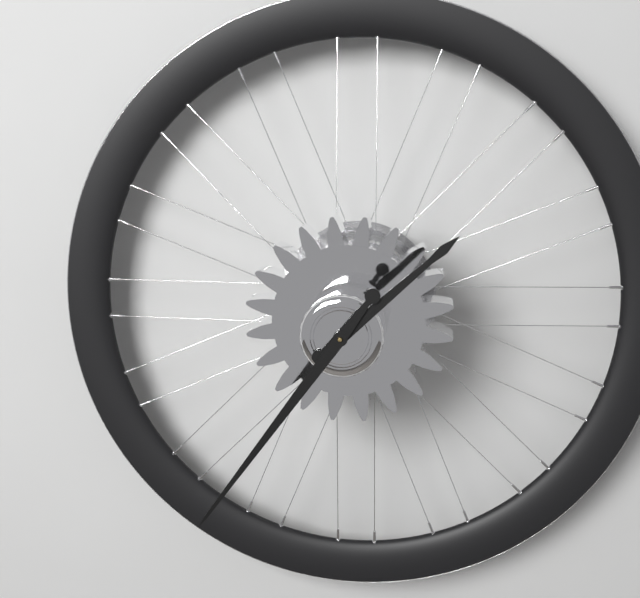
{"hour": 1, "minute": 36}
